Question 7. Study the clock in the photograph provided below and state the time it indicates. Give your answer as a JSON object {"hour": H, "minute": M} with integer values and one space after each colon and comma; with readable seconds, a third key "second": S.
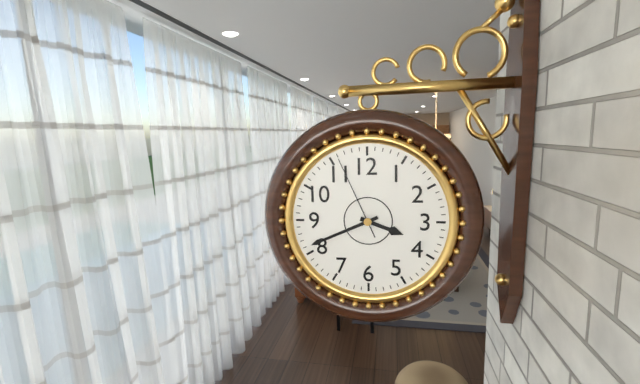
{"hour": 3, "minute": 41, "second": 56}
